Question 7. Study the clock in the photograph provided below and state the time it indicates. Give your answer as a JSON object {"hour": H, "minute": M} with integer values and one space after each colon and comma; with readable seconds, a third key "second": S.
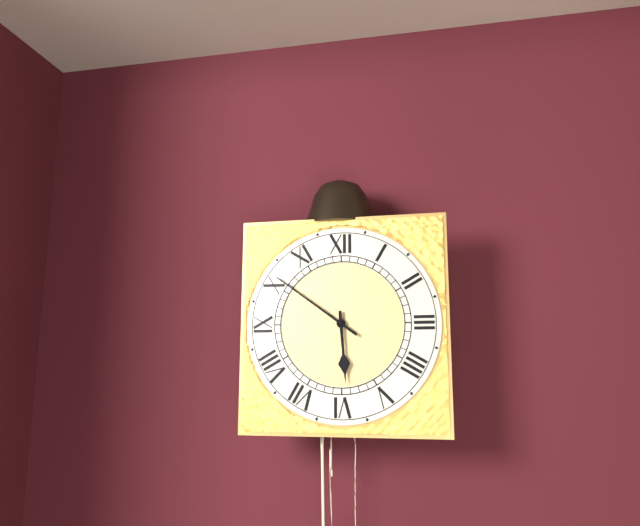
{"hour": 5, "minute": 51}
